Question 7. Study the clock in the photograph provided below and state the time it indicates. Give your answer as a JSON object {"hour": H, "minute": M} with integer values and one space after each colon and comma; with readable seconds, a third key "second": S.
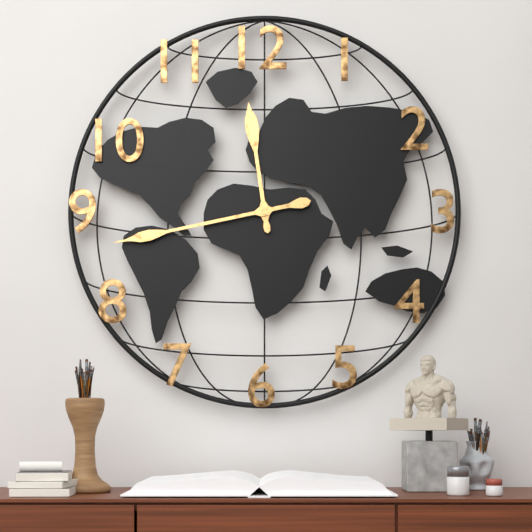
{"hour": 11, "minute": 43}
